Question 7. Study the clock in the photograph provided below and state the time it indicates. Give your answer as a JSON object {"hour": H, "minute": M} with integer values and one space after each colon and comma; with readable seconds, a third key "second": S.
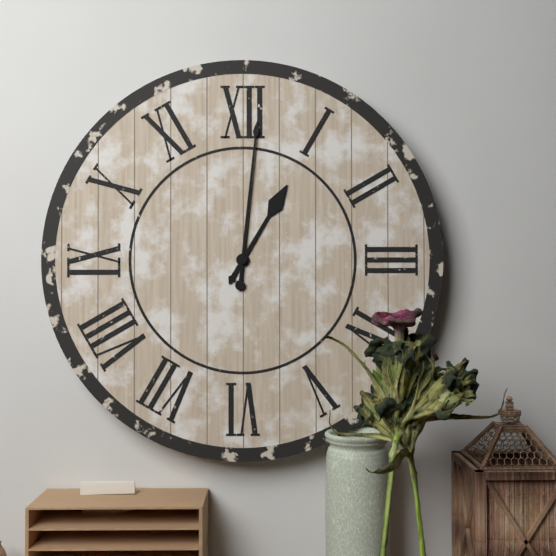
{"hour": 1, "minute": 1}
